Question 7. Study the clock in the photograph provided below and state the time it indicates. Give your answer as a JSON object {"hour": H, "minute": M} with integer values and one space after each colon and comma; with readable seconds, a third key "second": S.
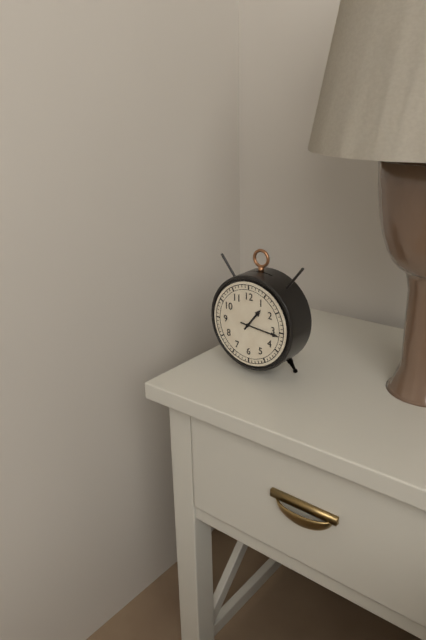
{"hour": 1, "minute": 16}
